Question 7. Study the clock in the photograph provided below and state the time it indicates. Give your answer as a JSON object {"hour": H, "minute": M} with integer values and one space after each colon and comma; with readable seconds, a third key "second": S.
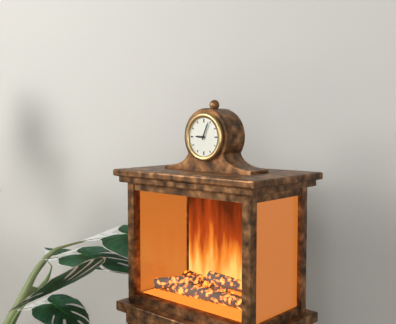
{"hour": 9, "minute": 4}
